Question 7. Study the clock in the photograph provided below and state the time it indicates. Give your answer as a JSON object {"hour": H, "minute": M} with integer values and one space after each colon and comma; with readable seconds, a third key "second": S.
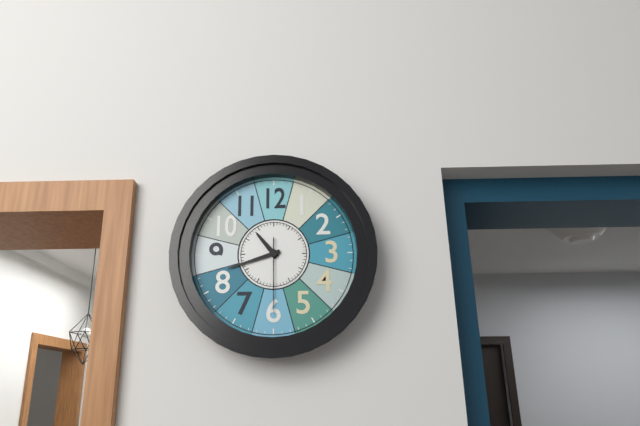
{"hour": 10, "minute": 42, "second": 30}
